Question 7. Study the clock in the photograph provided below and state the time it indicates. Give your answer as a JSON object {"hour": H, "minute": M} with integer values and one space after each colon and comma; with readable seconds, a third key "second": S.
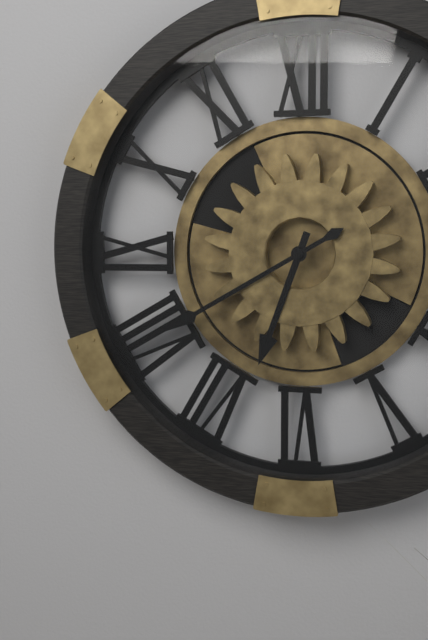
{"hour": 6, "minute": 40}
